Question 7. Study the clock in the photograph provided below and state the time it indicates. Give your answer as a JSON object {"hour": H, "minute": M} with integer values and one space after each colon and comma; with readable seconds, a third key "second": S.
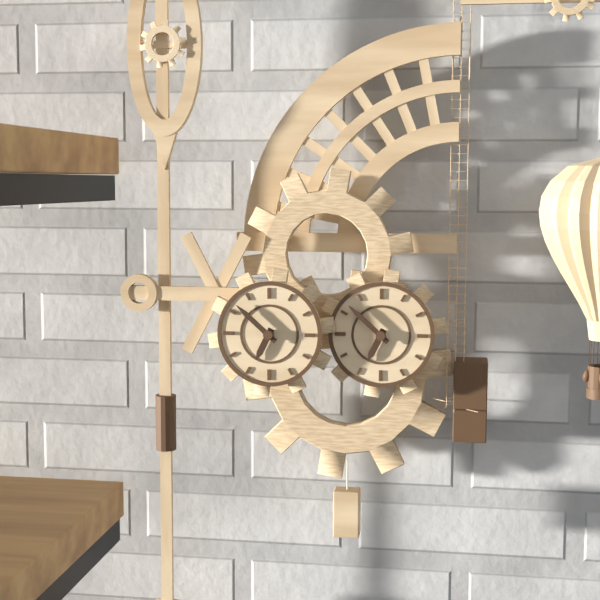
{"hour": 6, "minute": 52}
